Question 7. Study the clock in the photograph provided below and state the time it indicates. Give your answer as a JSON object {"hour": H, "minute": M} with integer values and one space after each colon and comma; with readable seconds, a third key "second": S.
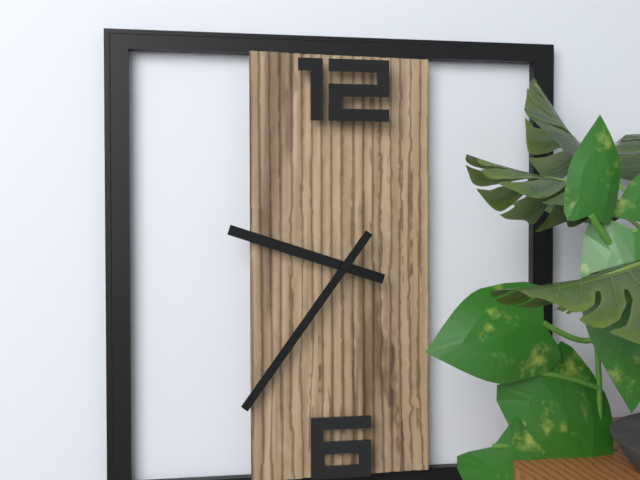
{"hour": 9, "minute": 36}
